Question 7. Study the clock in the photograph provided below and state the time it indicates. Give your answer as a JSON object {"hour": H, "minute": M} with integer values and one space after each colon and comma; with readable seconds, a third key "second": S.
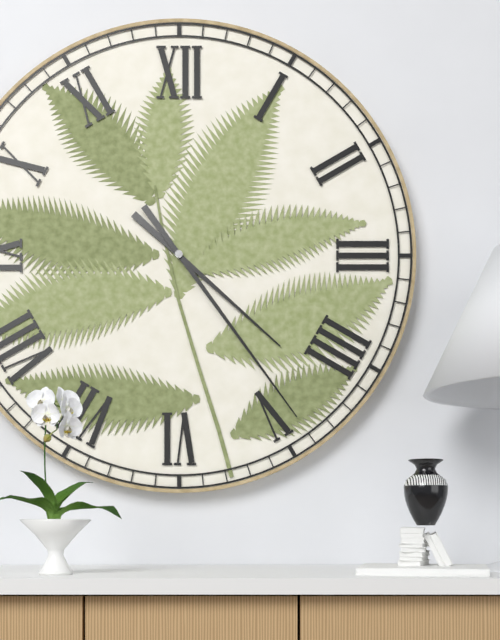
{"hour": 4, "minute": 24}
